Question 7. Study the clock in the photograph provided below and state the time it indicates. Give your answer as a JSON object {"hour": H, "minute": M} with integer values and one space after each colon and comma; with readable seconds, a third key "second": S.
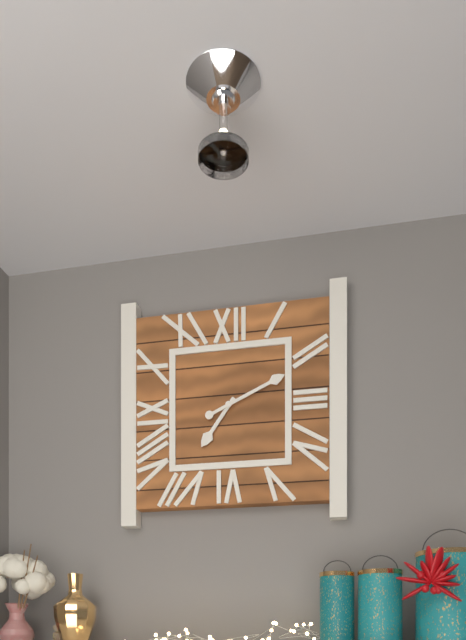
{"hour": 7, "minute": 11}
